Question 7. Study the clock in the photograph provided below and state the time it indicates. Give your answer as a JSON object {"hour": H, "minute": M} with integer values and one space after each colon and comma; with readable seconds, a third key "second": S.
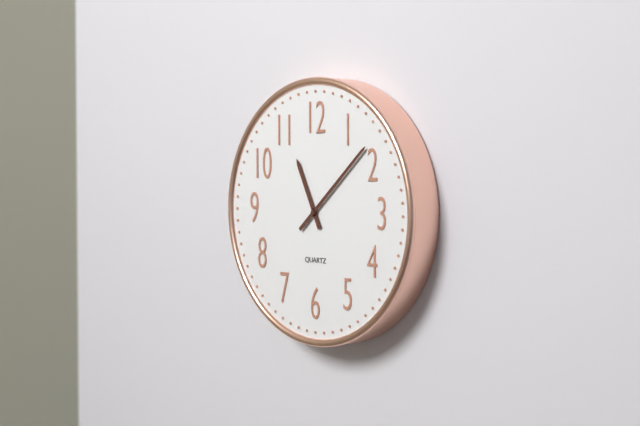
{"hour": 11, "minute": 8}
